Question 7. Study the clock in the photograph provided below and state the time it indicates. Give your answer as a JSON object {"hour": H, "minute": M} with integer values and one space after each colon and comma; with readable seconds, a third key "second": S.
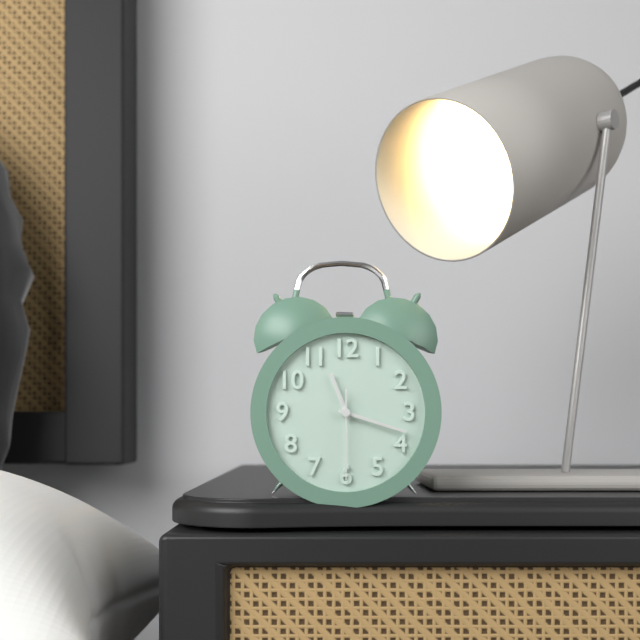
{"hour": 11, "minute": 18, "second": 30}
